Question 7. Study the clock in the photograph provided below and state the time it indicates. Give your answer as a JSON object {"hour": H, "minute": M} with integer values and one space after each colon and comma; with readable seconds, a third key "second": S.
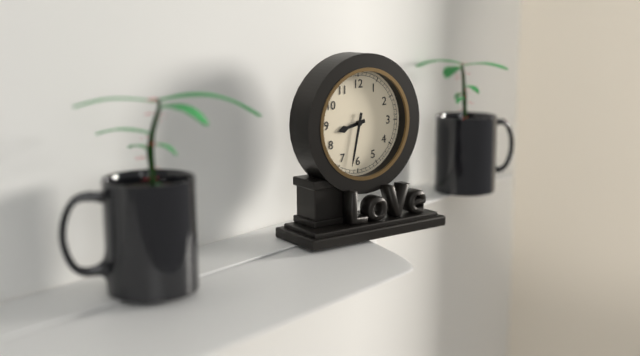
{"hour": 8, "minute": 32}
